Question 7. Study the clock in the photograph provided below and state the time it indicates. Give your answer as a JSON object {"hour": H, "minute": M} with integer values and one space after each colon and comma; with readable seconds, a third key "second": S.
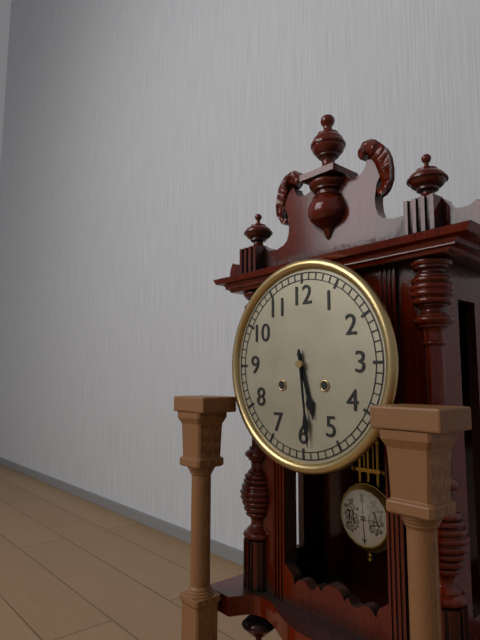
{"hour": 5, "minute": 29}
